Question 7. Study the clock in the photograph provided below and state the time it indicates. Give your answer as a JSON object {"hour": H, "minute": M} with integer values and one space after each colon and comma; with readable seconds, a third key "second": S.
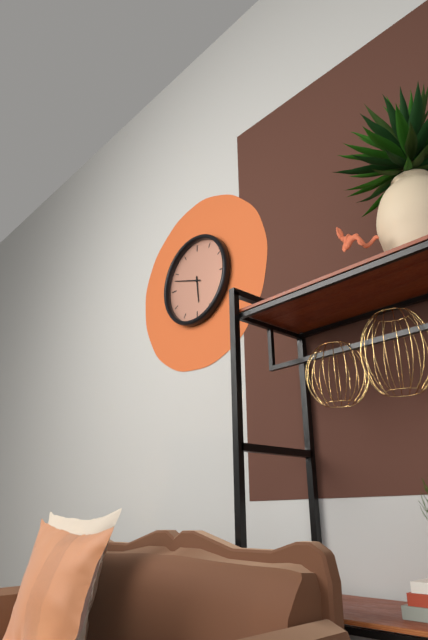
{"hour": 5, "minute": 48}
